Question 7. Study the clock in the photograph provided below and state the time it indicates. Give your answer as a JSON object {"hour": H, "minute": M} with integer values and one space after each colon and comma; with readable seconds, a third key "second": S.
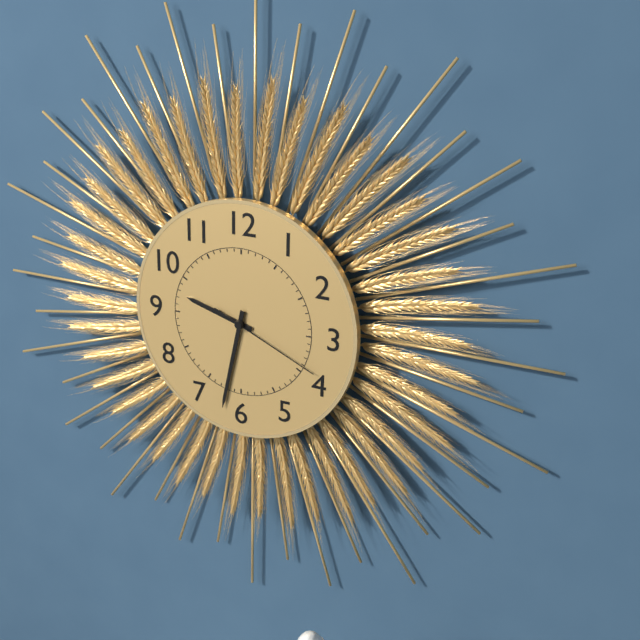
{"hour": 9, "minute": 32, "second": 19}
